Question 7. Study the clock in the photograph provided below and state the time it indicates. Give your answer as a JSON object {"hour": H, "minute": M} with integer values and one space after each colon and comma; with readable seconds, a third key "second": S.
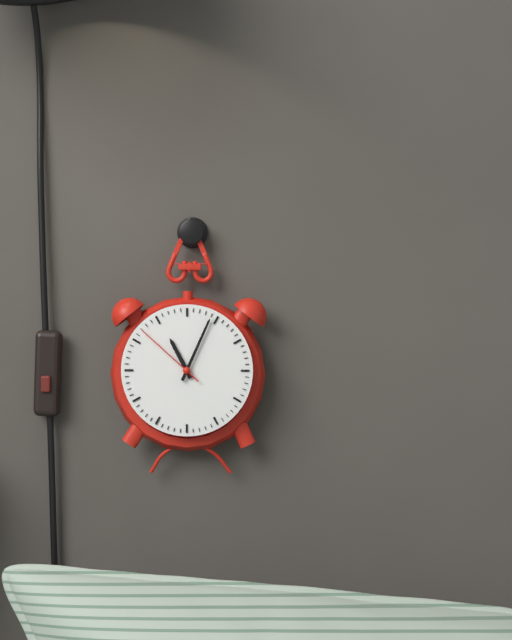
{"hour": 11, "minute": 4, "second": 52}
